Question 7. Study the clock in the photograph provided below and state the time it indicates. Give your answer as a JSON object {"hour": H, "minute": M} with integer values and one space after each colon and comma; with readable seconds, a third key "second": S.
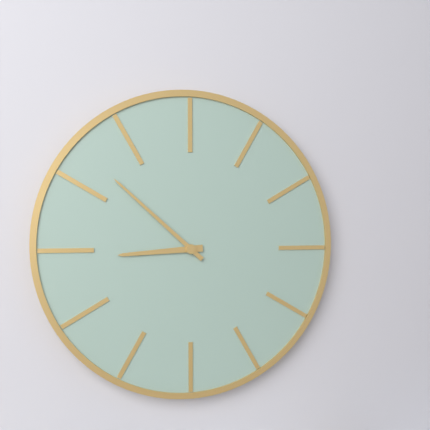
{"hour": 8, "minute": 52}
